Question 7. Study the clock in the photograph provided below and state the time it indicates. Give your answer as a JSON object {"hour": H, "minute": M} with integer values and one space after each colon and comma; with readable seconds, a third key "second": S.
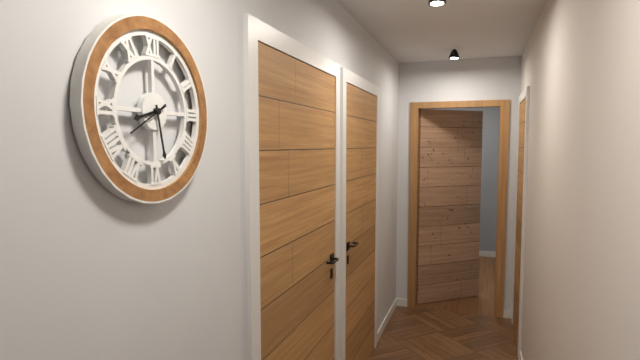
{"hour": 8, "minute": 28}
